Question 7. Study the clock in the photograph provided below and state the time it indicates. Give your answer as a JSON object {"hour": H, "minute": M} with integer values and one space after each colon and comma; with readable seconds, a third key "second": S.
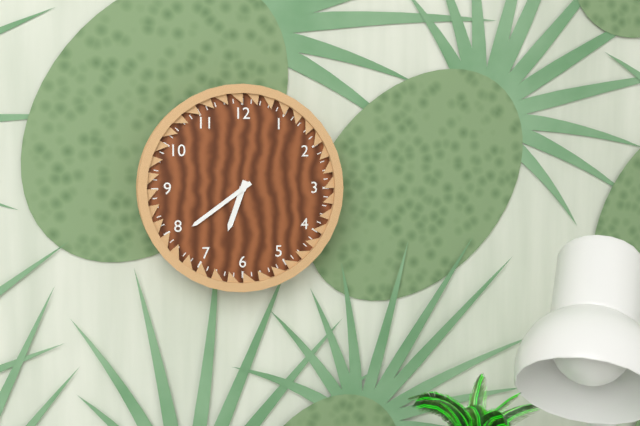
{"hour": 6, "minute": 39}
